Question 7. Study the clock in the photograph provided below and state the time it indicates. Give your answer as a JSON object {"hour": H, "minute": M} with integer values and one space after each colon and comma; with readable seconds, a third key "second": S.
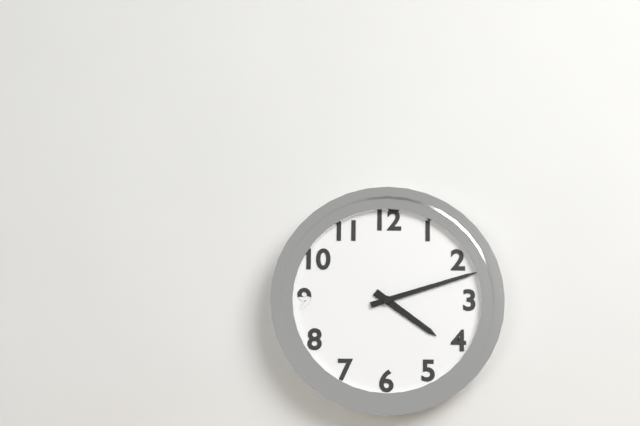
{"hour": 4, "minute": 12}
